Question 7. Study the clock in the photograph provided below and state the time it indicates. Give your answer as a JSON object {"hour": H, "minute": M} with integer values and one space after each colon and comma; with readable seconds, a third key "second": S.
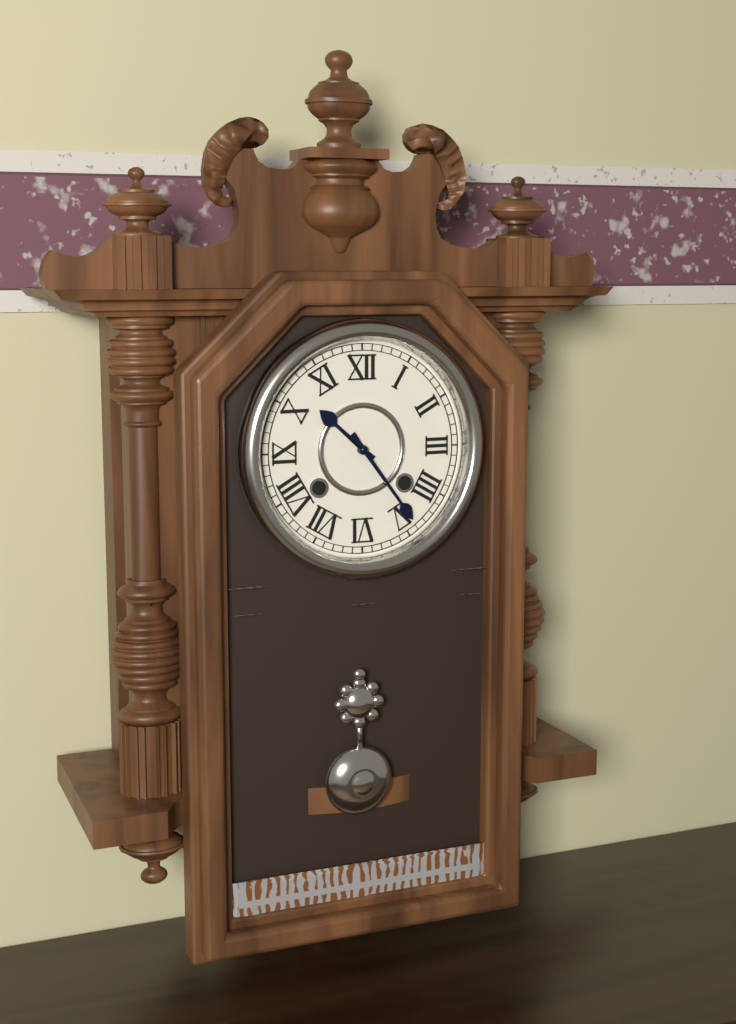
{"hour": 10, "minute": 24}
